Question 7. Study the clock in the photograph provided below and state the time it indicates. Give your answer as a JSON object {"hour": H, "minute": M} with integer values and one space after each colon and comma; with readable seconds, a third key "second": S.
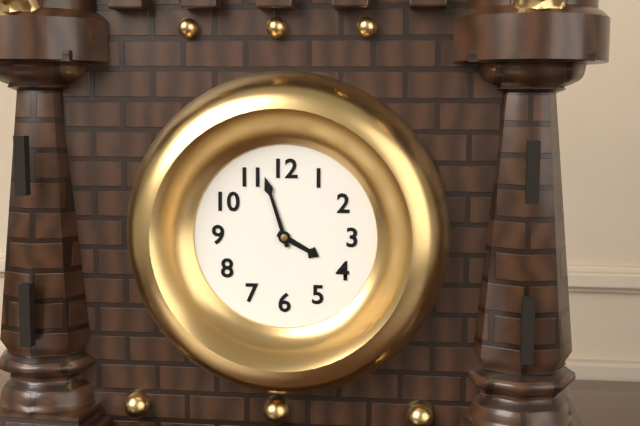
{"hour": 3, "minute": 57}
